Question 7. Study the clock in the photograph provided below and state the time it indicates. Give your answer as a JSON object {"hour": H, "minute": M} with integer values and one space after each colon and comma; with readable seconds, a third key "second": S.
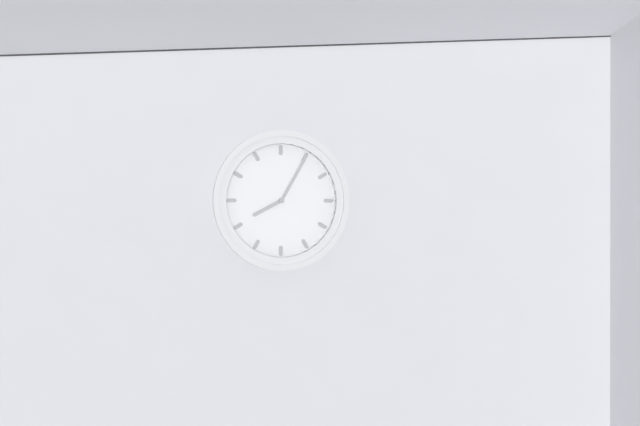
{"hour": 8, "minute": 5}
